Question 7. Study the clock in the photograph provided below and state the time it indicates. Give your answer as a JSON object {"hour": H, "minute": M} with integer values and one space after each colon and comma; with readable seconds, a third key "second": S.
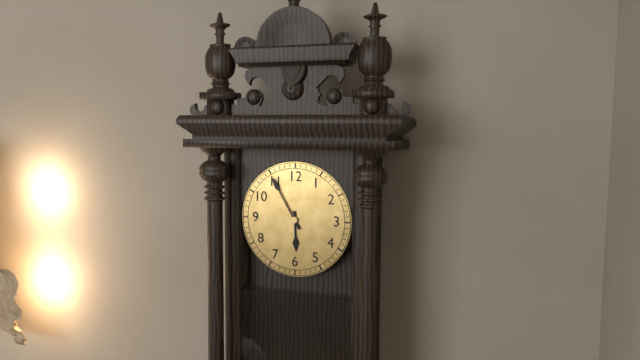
{"hour": 5, "minute": 55}
